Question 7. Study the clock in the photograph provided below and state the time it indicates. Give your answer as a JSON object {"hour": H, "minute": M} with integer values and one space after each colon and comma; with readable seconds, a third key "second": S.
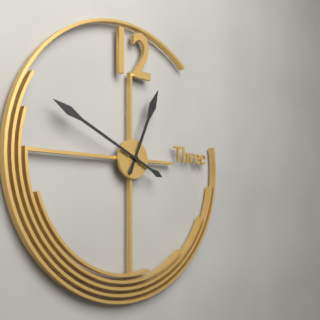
{"hour": 12, "minute": 49}
